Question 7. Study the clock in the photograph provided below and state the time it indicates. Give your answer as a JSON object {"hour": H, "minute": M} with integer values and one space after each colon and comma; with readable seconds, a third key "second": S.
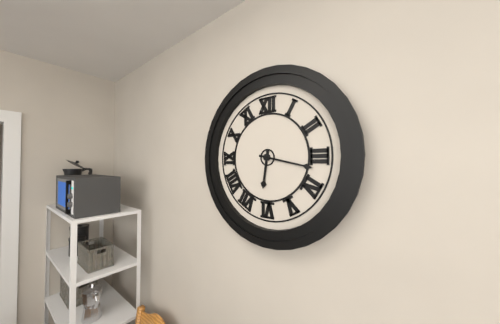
{"hour": 6, "minute": 17}
